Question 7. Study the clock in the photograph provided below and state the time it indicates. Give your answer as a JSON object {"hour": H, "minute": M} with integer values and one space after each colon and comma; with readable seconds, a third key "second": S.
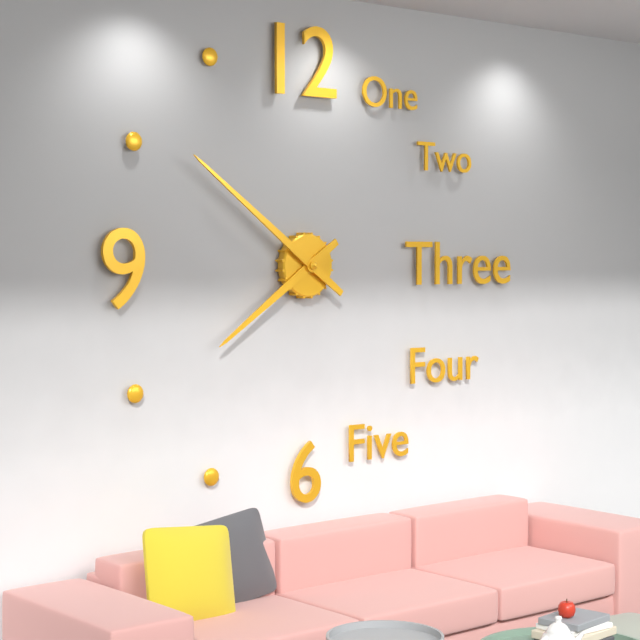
{"hour": 7, "minute": 51}
